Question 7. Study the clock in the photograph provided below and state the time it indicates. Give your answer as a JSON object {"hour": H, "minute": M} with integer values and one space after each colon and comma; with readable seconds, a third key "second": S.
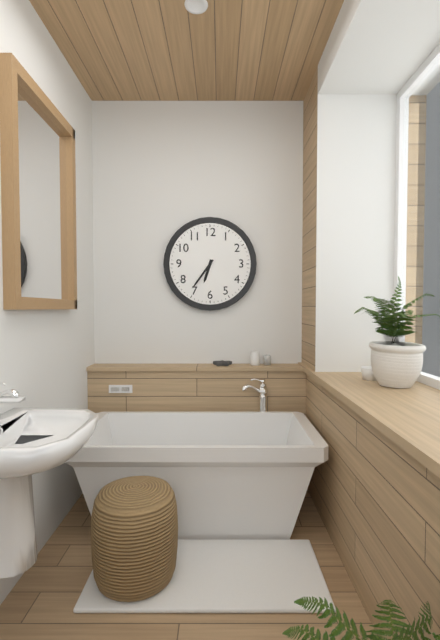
{"hour": 6, "minute": 36}
